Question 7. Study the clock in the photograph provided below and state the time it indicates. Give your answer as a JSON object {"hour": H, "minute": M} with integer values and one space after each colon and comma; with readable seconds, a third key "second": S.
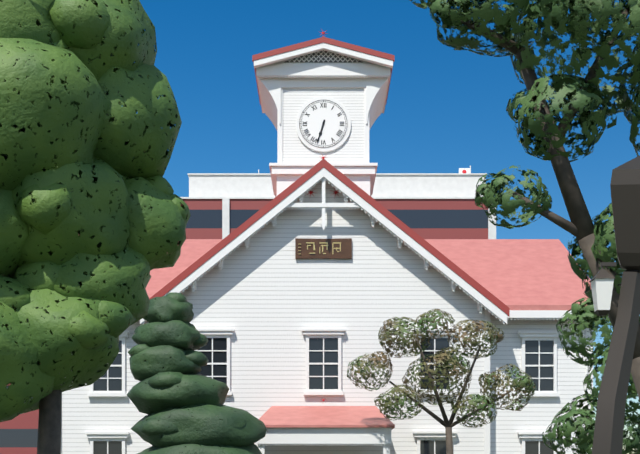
{"hour": 6, "minute": 33}
